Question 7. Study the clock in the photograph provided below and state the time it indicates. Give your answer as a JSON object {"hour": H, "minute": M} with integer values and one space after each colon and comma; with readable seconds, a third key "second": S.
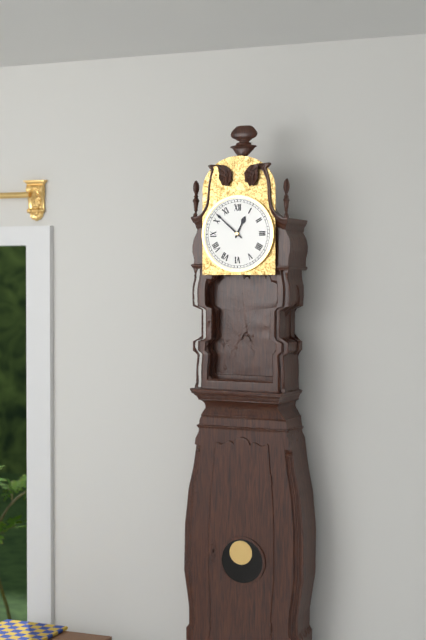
{"hour": 12, "minute": 52}
